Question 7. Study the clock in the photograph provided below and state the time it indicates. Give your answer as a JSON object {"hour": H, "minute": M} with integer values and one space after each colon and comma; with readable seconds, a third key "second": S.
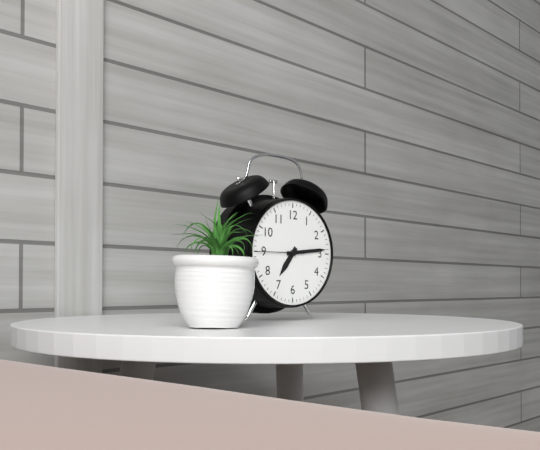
{"hour": 7, "minute": 14}
